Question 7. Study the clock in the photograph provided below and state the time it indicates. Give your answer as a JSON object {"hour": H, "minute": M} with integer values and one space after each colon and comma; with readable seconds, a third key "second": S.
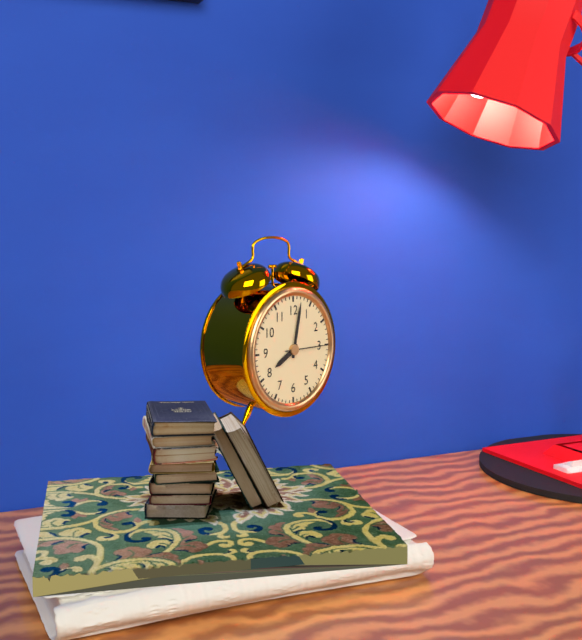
{"hour": 8, "minute": 2}
